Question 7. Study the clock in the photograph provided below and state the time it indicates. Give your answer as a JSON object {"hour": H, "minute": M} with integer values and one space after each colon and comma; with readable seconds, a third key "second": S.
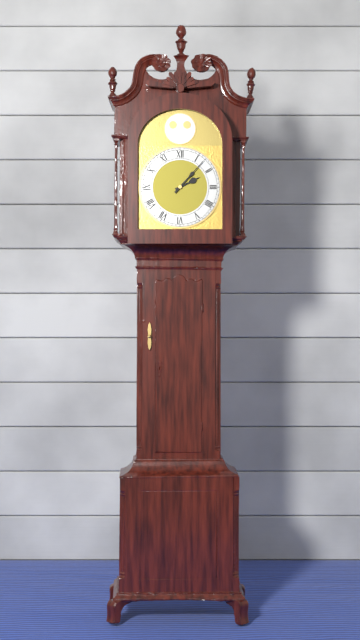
{"hour": 2, "minute": 7}
